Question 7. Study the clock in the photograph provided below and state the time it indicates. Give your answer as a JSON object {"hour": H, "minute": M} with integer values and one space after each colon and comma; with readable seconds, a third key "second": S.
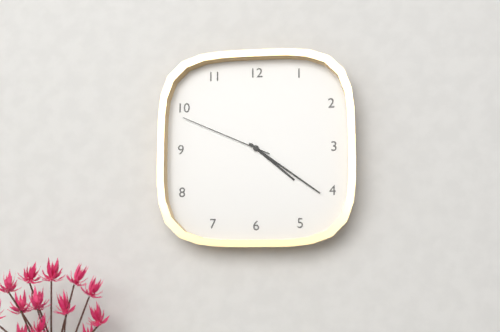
{"hour": 4, "minute": 21, "second": 49}
